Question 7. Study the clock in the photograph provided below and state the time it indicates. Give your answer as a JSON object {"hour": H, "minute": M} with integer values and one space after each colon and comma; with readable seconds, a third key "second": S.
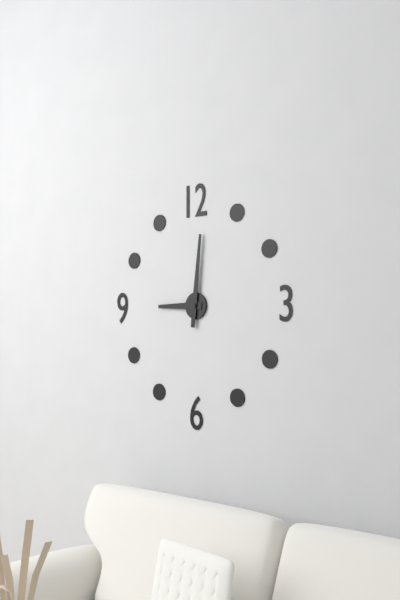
{"hour": 9, "minute": 1}
